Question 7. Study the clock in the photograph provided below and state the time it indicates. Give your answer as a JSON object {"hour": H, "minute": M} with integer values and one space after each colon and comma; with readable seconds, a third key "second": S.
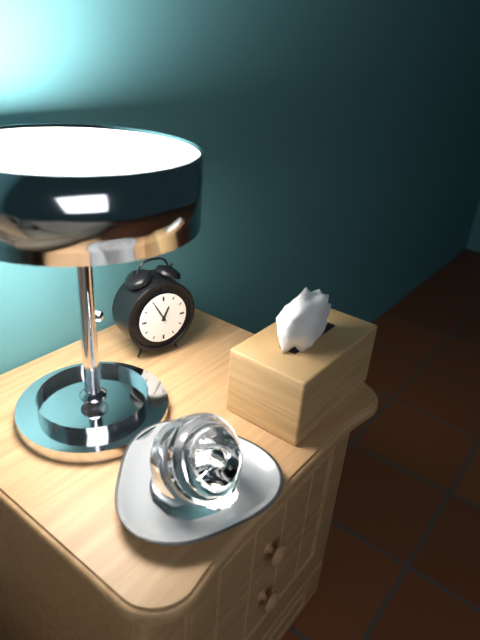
{"hour": 12, "minute": 55}
